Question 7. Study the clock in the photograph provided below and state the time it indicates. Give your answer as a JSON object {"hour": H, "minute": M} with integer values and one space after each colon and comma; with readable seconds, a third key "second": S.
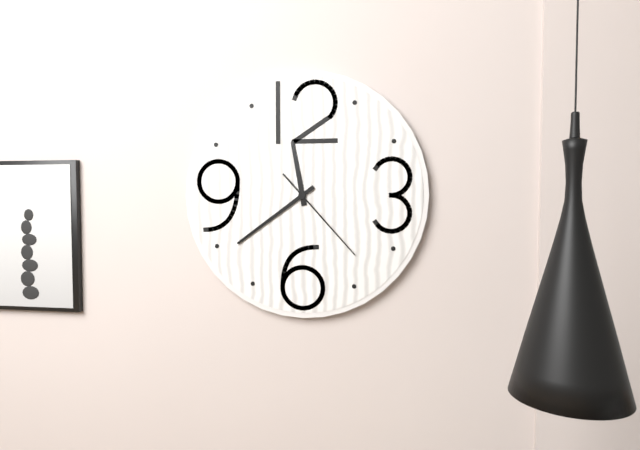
{"hour": 11, "minute": 39, "second": 23}
